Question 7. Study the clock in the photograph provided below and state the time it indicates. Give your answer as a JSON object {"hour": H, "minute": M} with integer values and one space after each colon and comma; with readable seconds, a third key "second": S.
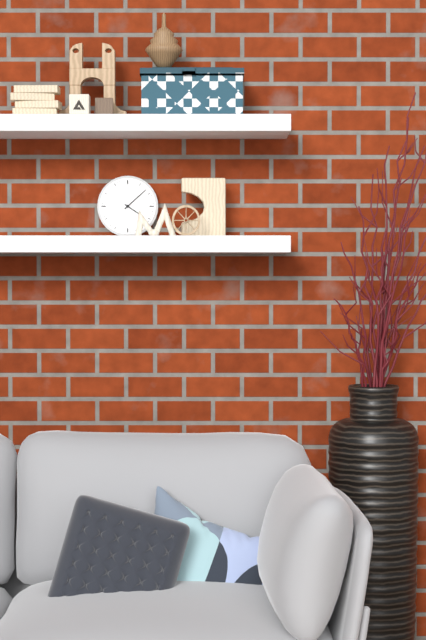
{"hour": 4, "minute": 8}
